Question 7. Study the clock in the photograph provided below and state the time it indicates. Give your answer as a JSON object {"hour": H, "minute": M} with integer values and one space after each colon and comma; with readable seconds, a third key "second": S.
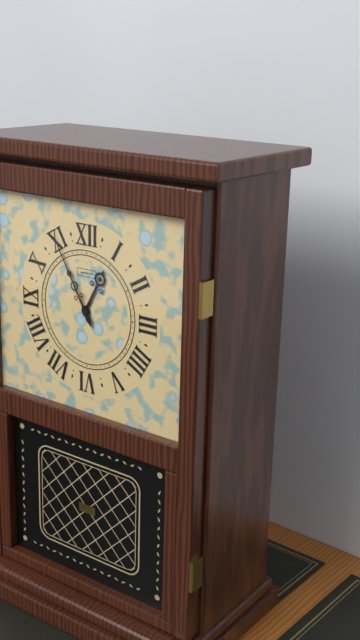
{"hour": 12, "minute": 55}
